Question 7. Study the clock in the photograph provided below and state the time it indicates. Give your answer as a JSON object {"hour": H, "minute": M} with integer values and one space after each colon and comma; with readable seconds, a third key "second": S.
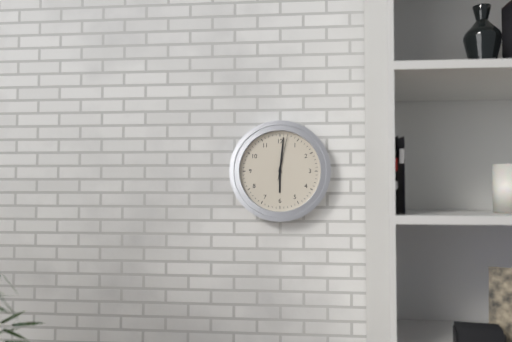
{"hour": 6, "minute": 1}
